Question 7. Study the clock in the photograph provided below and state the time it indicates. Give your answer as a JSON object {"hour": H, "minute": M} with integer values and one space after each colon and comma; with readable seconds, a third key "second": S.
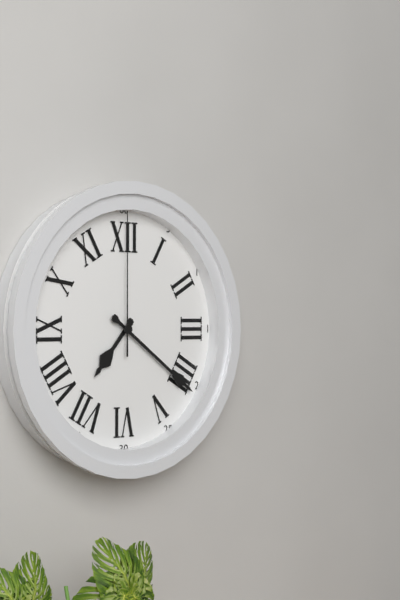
{"hour": 7, "minute": 21, "second": 0}
